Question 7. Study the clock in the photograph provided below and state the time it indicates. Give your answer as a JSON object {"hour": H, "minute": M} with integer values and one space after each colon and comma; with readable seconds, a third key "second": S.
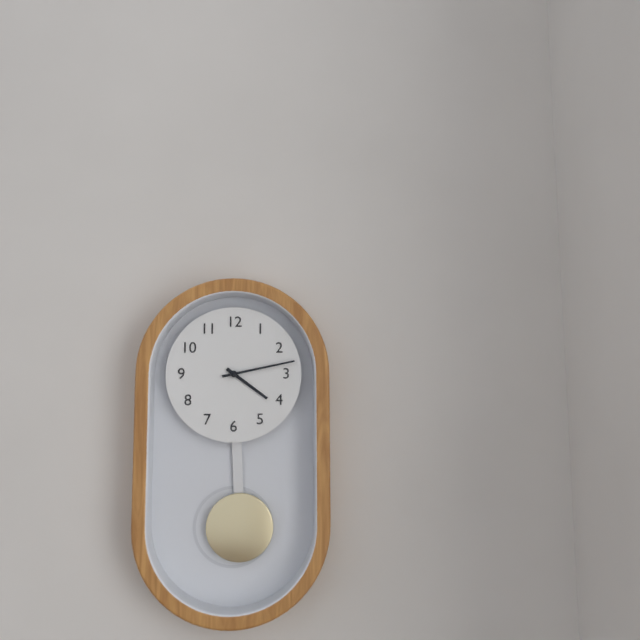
{"hour": 4, "minute": 13}
